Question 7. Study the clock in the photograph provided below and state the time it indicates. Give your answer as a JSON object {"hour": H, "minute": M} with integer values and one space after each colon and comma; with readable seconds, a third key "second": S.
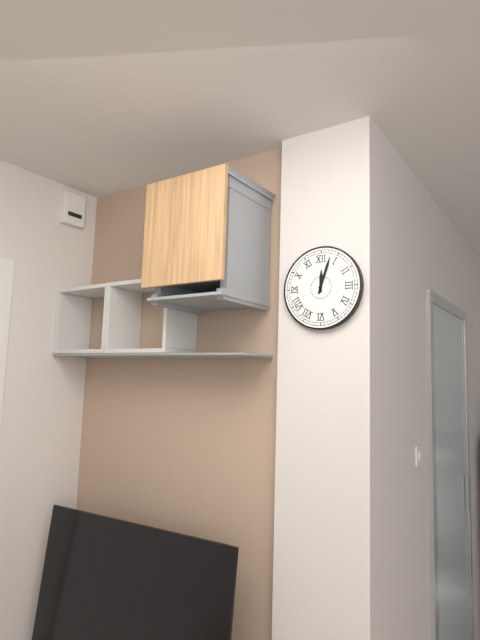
{"hour": 12, "minute": 3}
